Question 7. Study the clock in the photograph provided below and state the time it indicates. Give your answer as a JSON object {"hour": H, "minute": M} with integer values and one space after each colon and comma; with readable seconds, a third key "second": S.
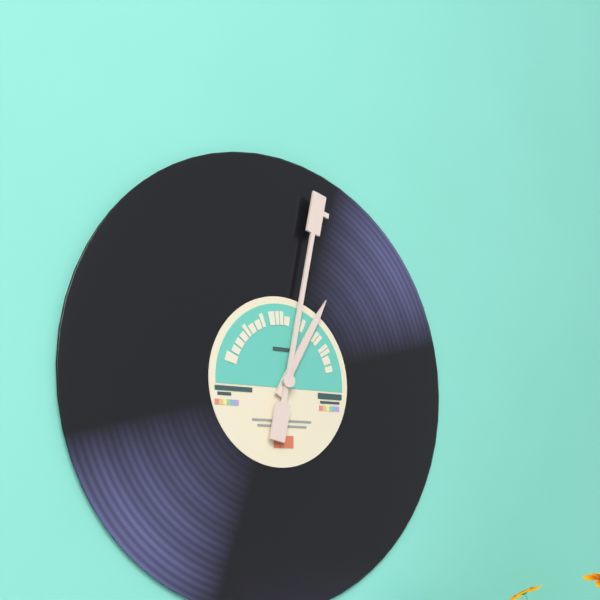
{"hour": 1, "minute": 2}
